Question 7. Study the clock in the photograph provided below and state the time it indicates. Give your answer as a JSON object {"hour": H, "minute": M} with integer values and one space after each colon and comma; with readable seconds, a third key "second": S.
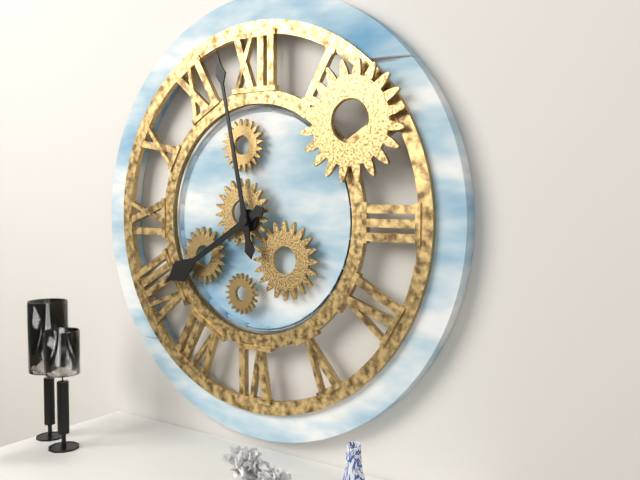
{"hour": 7, "minute": 58}
